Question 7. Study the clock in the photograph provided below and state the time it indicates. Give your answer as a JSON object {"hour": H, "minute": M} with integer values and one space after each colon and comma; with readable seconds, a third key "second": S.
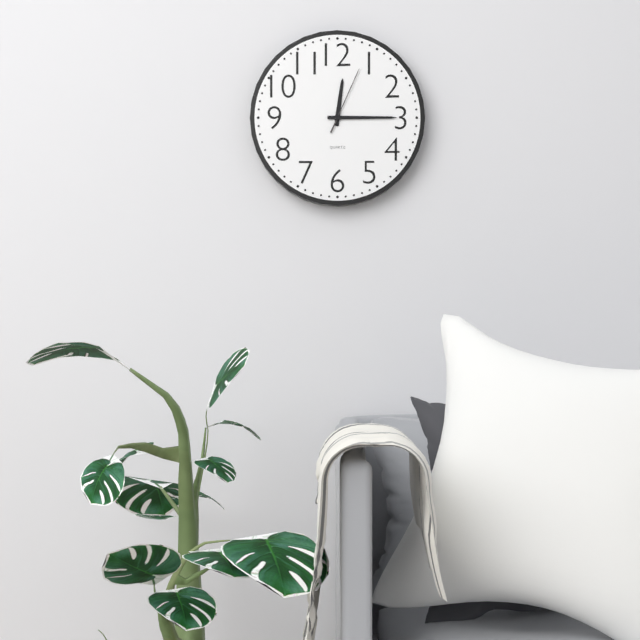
{"hour": 12, "minute": 15, "second": 4}
